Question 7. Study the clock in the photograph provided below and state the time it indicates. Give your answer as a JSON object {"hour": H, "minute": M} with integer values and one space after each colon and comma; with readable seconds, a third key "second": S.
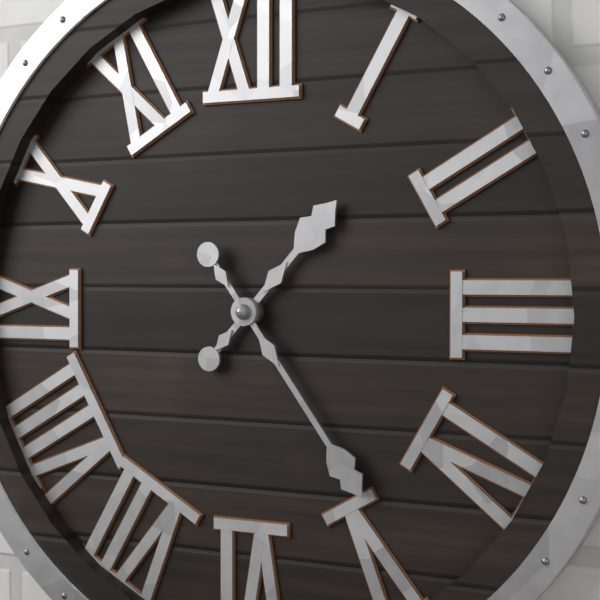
{"hour": 1, "minute": 24}
